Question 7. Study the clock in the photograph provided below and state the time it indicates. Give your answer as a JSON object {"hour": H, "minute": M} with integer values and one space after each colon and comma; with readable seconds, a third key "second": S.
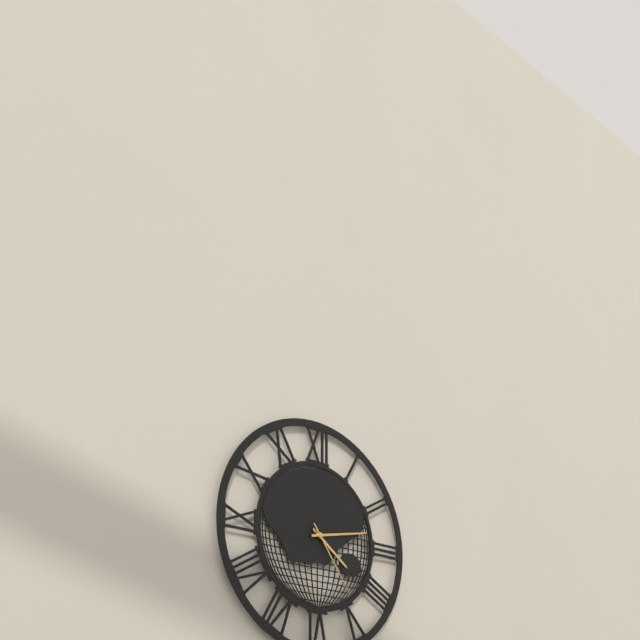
{"hour": 4, "minute": 13, "second": 24}
